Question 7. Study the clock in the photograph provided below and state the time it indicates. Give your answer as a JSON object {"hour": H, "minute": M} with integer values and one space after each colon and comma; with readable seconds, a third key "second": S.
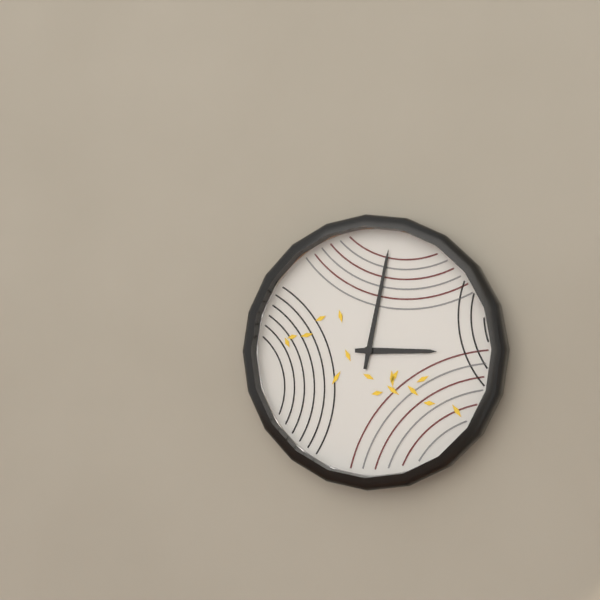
{"hour": 3, "minute": 2}
